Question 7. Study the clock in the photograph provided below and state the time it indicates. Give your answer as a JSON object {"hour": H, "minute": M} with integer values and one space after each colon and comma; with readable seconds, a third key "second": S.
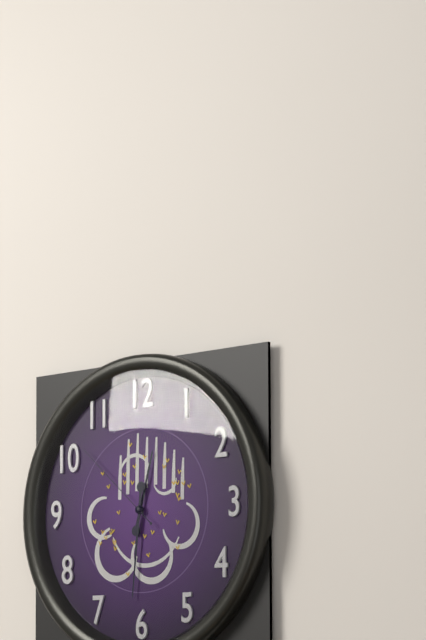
{"hour": 12, "minute": 31, "second": 52}
